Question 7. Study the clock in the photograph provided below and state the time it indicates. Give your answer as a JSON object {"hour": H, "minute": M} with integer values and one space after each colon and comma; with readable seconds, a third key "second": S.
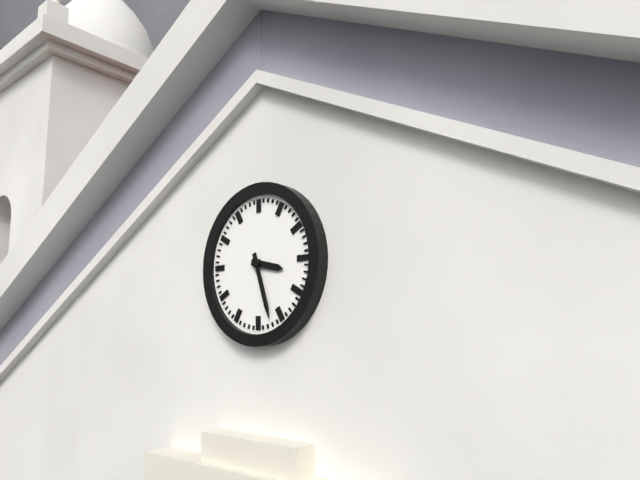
{"hour": 3, "minute": 27}
